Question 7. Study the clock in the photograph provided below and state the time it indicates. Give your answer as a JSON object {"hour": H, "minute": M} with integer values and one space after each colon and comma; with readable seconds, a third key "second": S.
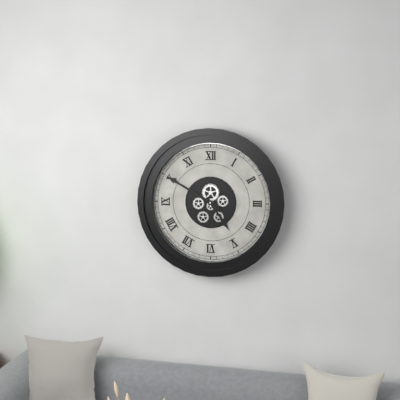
{"hour": 4, "minute": 50}
